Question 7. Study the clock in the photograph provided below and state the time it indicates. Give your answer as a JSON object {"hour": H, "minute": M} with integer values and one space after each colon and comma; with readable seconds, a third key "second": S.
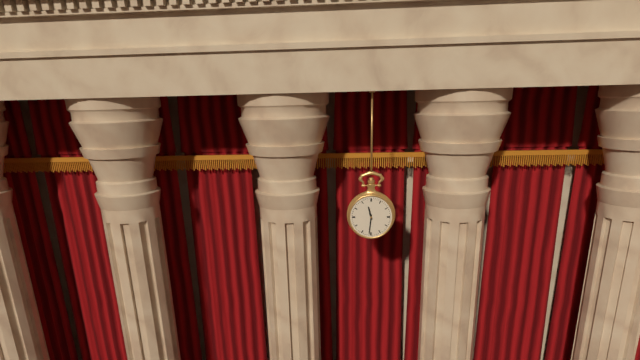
{"hour": 11, "minute": 31}
